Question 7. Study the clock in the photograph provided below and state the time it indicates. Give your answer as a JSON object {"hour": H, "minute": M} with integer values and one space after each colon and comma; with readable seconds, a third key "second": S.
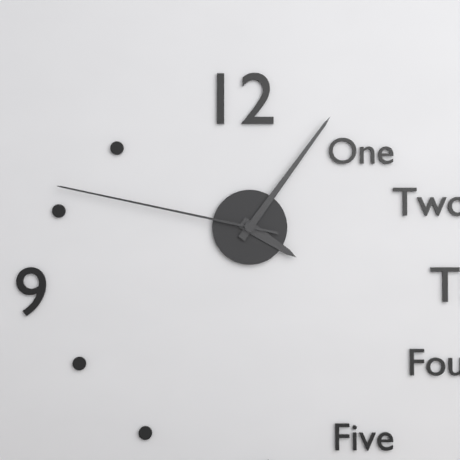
{"hour": 4, "minute": 6, "second": 47}
